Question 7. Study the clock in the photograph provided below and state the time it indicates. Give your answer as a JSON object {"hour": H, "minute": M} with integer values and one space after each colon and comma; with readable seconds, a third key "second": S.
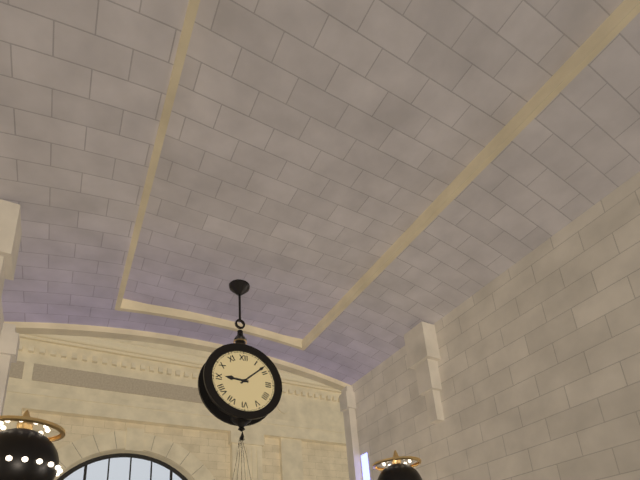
{"hour": 9, "minute": 8}
